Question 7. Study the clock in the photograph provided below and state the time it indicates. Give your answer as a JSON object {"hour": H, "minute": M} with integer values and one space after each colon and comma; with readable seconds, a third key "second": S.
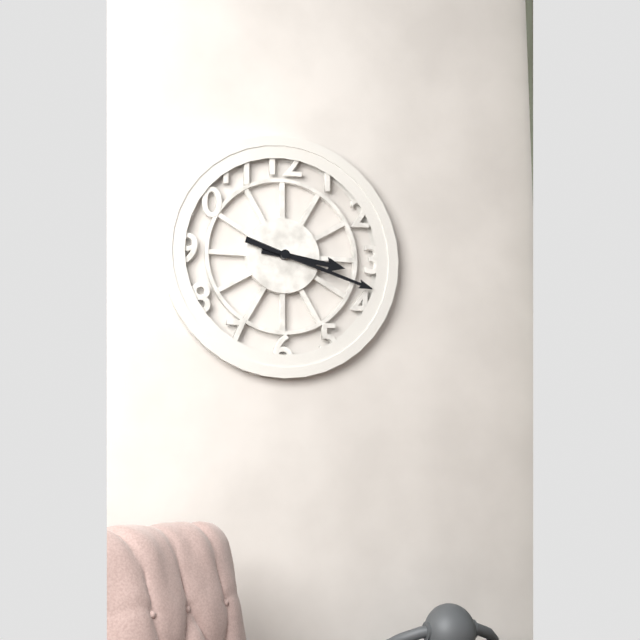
{"hour": 3, "minute": 18}
